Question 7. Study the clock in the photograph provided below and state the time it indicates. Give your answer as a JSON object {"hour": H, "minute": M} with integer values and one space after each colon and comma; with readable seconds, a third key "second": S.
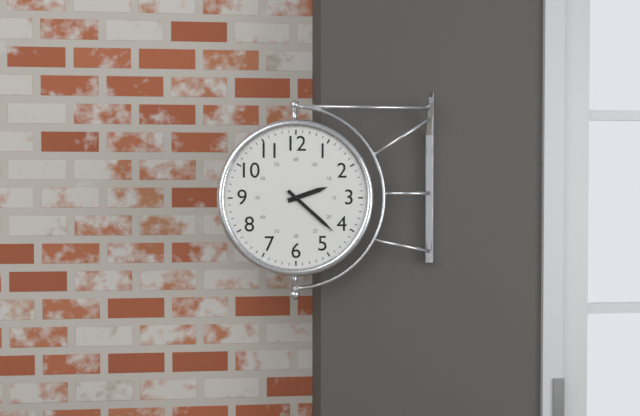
{"hour": 2, "minute": 22}
